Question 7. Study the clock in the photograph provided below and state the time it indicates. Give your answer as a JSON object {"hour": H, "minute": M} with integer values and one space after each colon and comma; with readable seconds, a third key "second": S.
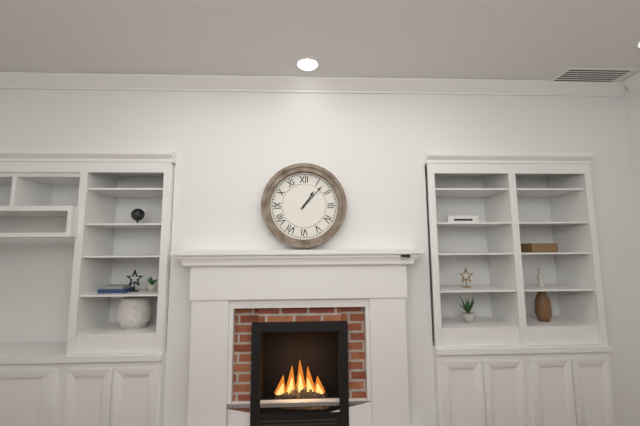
{"hour": 1, "minute": 7}
